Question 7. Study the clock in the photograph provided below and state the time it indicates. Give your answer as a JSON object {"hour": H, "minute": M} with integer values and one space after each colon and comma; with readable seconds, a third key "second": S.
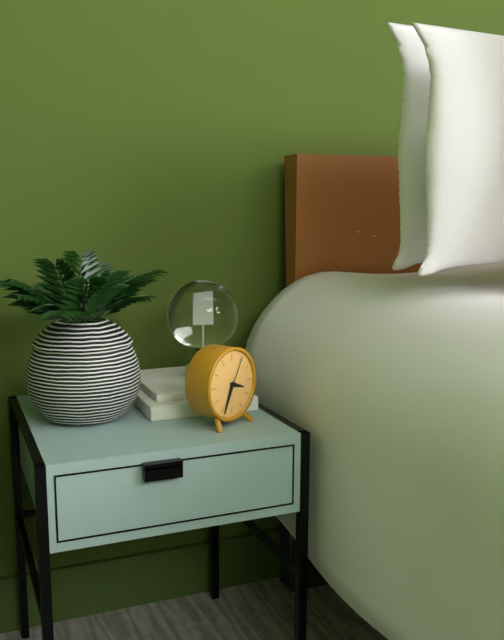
{"hour": 3, "minute": 34}
